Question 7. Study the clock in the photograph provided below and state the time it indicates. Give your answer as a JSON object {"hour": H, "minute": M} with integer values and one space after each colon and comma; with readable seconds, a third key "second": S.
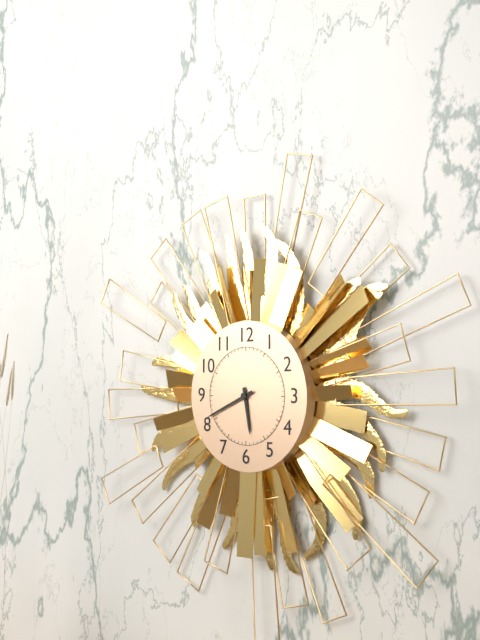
{"hour": 5, "minute": 41}
